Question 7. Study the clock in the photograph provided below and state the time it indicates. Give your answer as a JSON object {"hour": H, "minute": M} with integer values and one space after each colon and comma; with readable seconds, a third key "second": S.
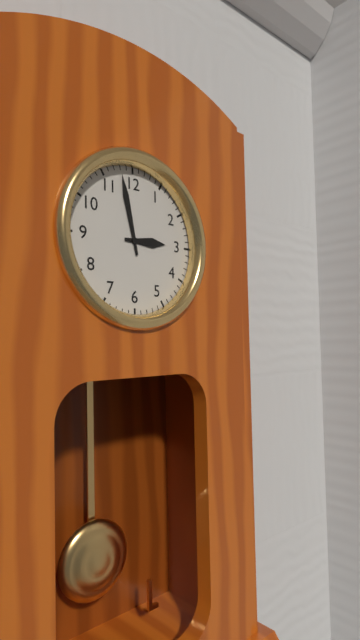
{"hour": 2, "minute": 58}
